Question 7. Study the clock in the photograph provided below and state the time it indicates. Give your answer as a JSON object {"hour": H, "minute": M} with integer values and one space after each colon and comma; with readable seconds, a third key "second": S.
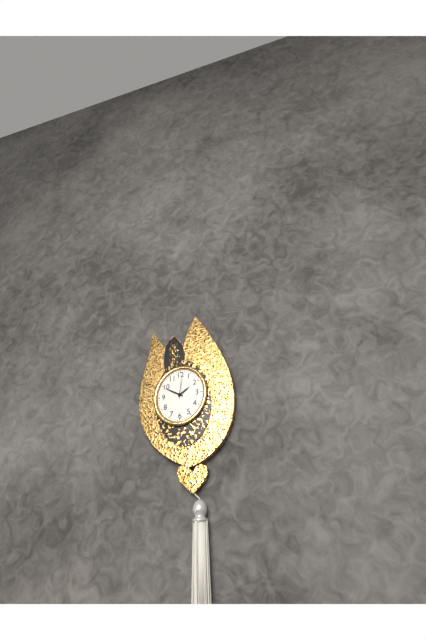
{"hour": 1, "minute": 50}
